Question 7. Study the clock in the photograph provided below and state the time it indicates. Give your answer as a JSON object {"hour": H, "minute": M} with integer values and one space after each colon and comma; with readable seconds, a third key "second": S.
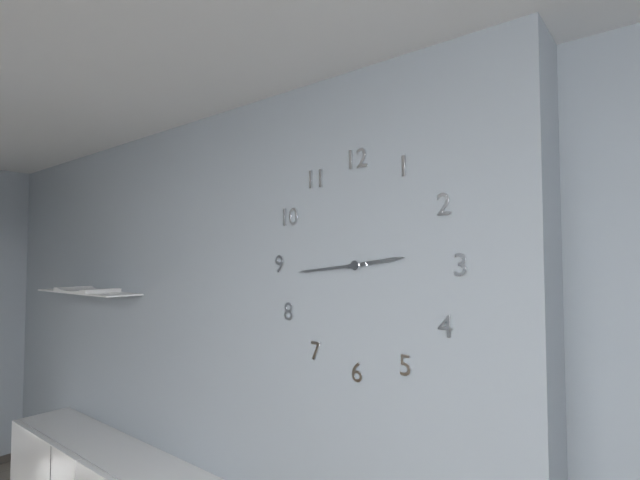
{"hour": 2, "minute": 44}
